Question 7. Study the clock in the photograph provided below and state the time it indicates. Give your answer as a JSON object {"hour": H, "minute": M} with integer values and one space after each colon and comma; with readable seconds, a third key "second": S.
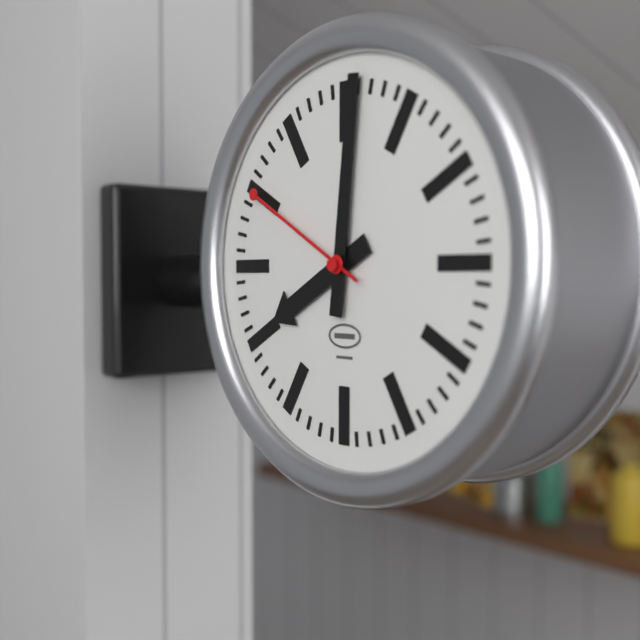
{"hour": 8, "minute": 1, "second": 50}
